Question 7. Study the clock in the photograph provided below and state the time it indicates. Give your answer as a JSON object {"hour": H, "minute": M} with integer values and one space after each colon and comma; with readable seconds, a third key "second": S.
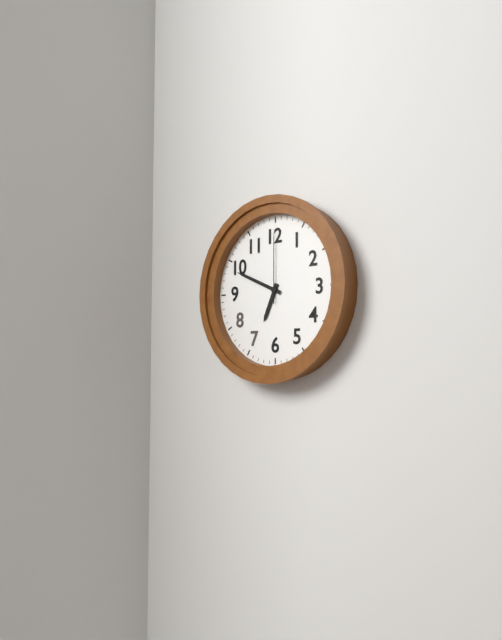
{"hour": 6, "minute": 49, "second": 0}
